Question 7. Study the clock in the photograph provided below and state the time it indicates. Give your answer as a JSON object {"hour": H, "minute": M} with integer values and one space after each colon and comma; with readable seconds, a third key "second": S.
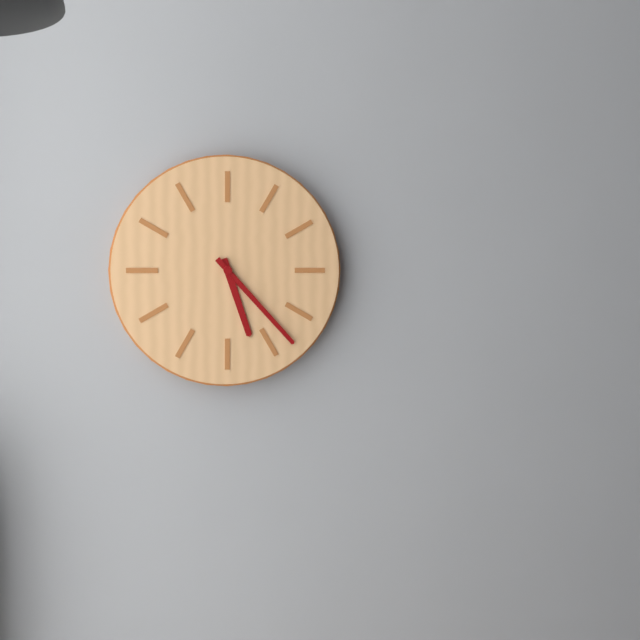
{"hour": 5, "minute": 23}
